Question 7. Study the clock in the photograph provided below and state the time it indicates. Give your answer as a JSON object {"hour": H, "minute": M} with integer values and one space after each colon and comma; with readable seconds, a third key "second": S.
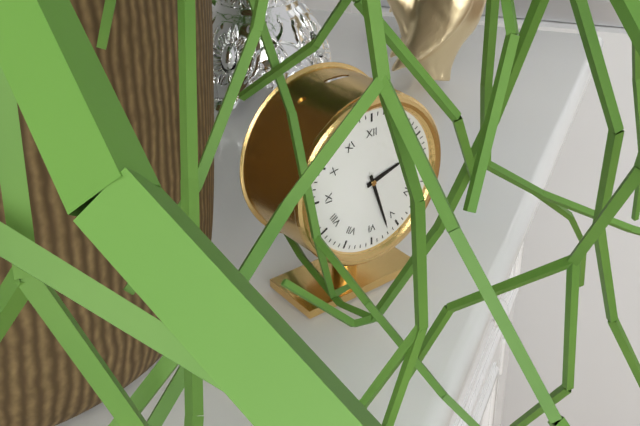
{"hour": 2, "minute": 27}
